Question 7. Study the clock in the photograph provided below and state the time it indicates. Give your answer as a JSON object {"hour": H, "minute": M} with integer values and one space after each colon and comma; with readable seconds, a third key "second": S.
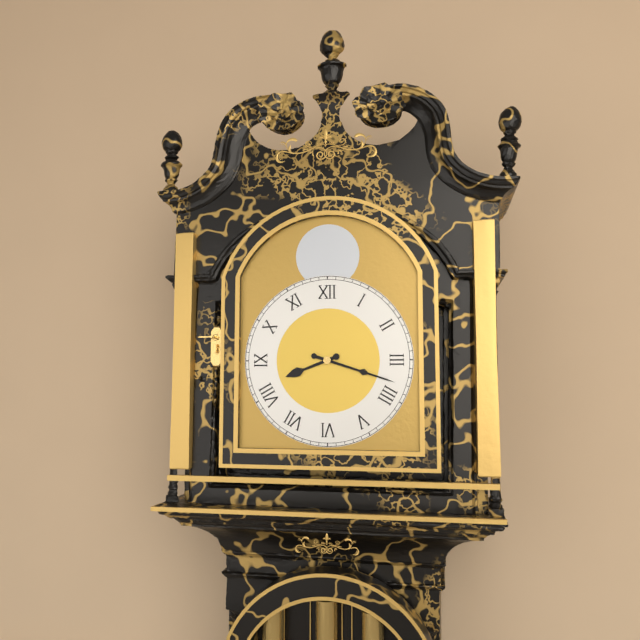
{"hour": 8, "minute": 18}
